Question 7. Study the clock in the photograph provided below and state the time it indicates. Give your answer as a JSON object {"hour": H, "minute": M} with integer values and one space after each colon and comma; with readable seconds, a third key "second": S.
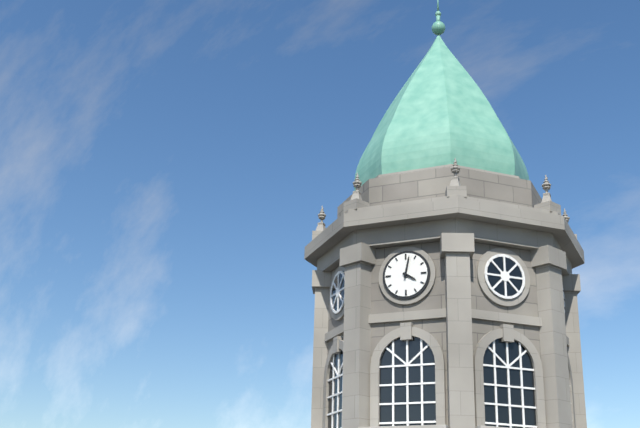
{"hour": 4, "minute": 2}
